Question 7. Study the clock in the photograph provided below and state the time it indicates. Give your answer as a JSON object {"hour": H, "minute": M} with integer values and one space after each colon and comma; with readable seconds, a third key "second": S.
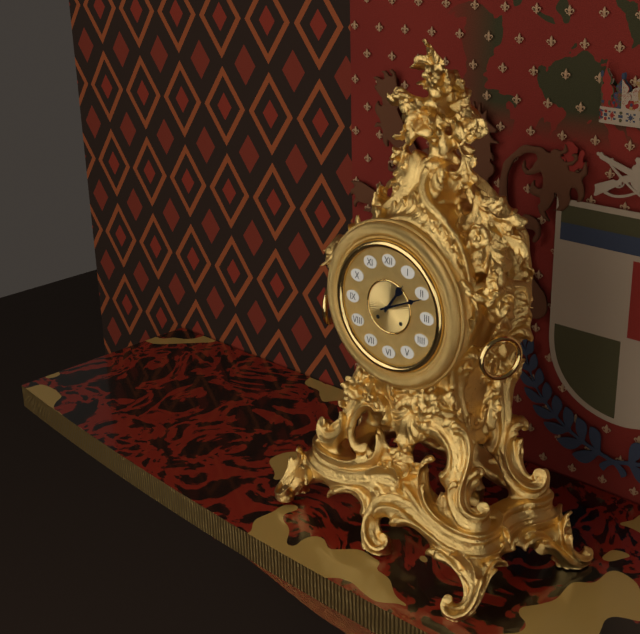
{"hour": 1, "minute": 11}
